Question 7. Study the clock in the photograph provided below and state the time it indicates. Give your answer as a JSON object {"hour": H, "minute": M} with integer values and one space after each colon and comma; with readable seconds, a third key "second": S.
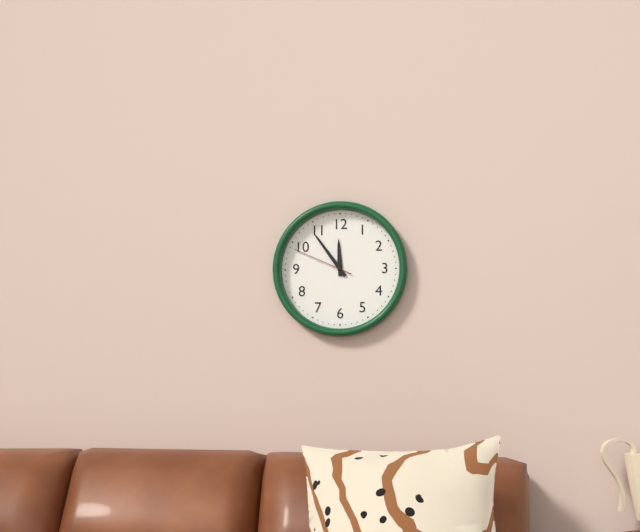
{"hour": 11, "minute": 54, "second": 49}
